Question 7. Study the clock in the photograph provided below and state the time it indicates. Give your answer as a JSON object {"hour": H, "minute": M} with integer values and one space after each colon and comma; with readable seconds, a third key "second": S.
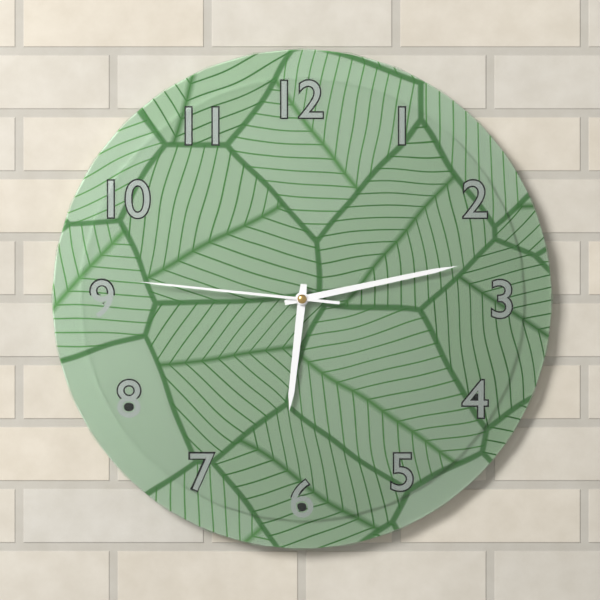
{"hour": 6, "minute": 13, "second": 46}
